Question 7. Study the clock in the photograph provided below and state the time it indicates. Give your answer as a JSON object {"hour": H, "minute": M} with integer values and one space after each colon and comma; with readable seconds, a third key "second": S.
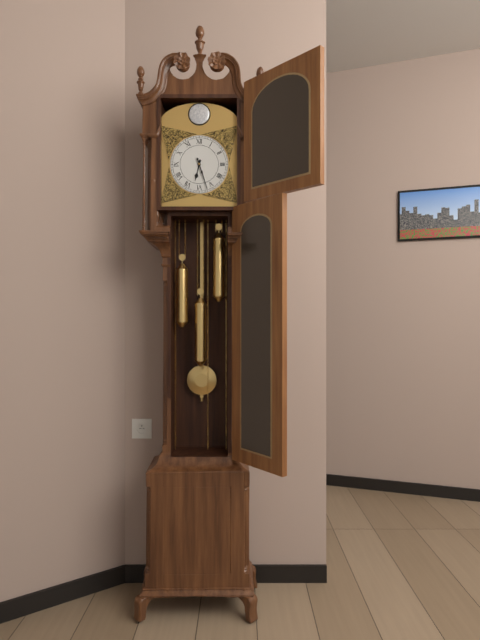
{"hour": 6, "minute": 27}
